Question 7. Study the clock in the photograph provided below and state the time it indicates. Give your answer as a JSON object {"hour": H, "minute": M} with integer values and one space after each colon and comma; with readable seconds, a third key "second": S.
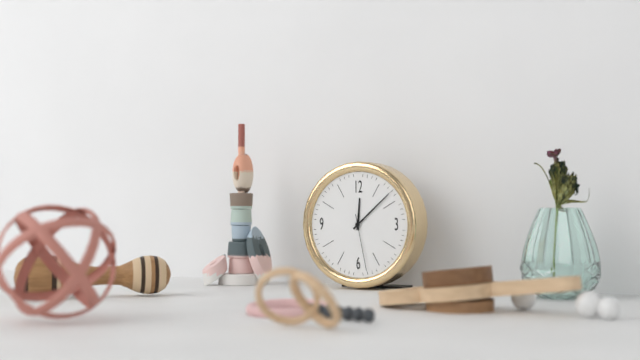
{"hour": 12, "minute": 8, "second": 28}
